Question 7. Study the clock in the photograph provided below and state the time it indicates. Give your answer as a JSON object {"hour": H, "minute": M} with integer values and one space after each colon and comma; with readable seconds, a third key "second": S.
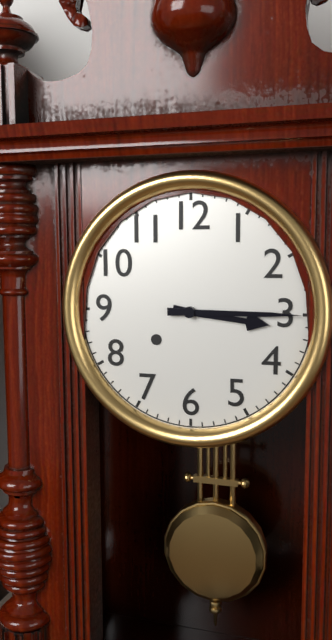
{"hour": 3, "minute": 15}
